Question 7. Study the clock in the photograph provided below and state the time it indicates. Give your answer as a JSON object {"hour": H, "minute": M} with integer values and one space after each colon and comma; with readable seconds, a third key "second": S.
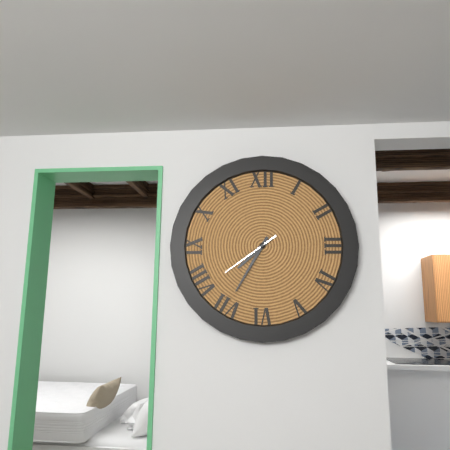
{"hour": 7, "minute": 35, "second": 39}
